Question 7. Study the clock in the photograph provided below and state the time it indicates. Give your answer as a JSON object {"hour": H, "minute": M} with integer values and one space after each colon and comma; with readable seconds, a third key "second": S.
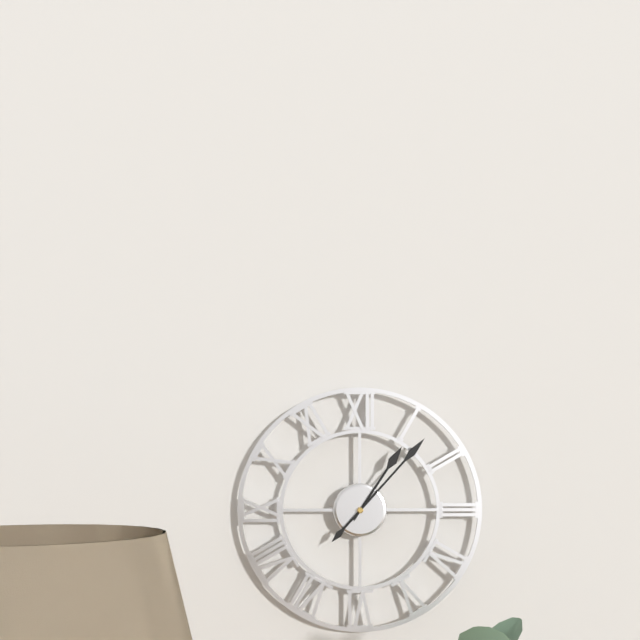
{"hour": 1, "minute": 7}
